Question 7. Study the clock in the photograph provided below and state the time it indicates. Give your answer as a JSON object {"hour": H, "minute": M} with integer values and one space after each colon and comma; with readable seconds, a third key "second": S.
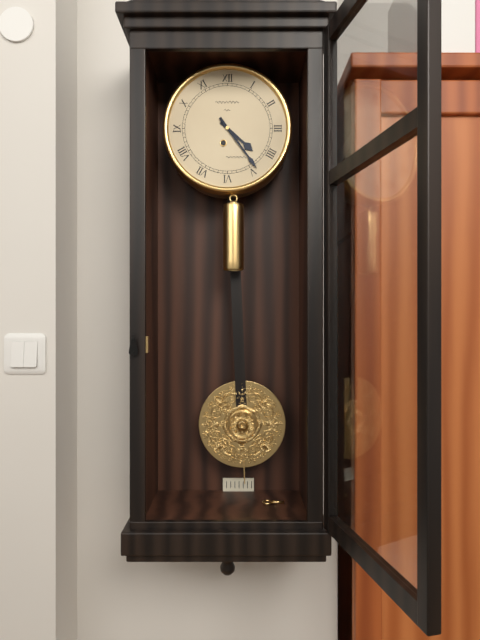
{"hour": 4, "minute": 24}
